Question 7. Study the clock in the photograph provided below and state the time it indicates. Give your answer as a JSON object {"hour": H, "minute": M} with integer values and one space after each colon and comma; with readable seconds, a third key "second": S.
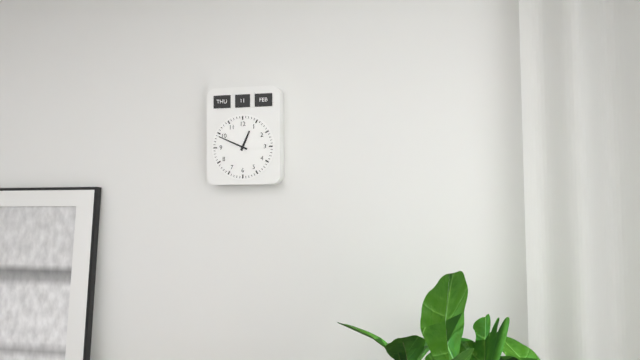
{"hour": 12, "minute": 49}
